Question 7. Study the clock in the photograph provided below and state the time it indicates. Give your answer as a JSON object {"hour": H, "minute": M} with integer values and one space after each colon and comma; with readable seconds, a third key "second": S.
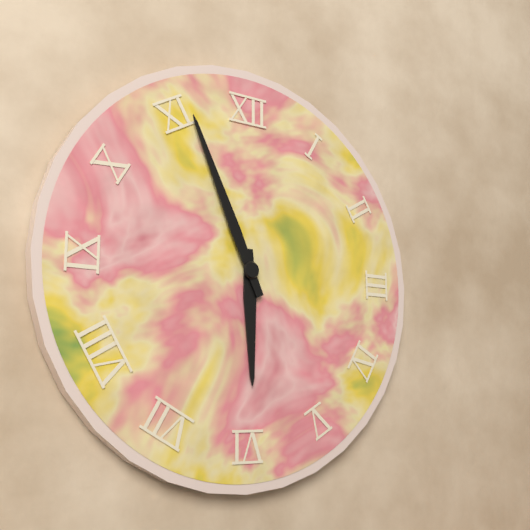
{"hour": 5, "minute": 56}
